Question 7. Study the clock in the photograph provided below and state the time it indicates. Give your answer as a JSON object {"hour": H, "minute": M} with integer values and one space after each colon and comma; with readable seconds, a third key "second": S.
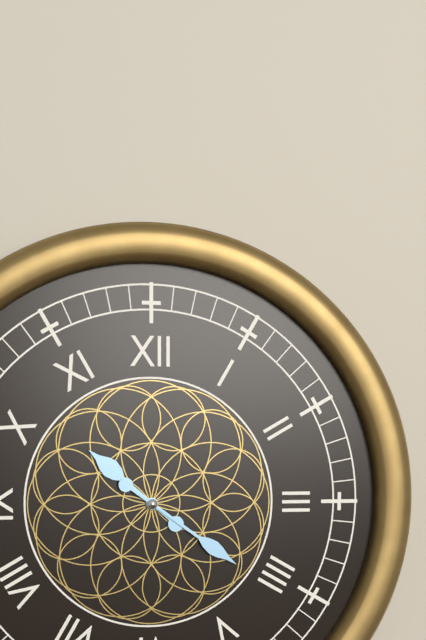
{"hour": 10, "minute": 21}
